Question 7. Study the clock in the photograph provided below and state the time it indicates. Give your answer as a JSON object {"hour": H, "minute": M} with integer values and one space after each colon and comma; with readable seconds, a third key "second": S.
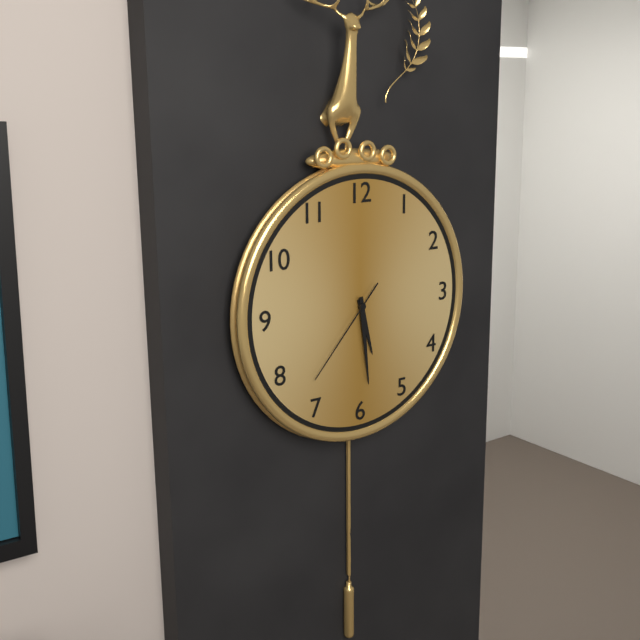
{"hour": 5, "minute": 29, "second": 37}
